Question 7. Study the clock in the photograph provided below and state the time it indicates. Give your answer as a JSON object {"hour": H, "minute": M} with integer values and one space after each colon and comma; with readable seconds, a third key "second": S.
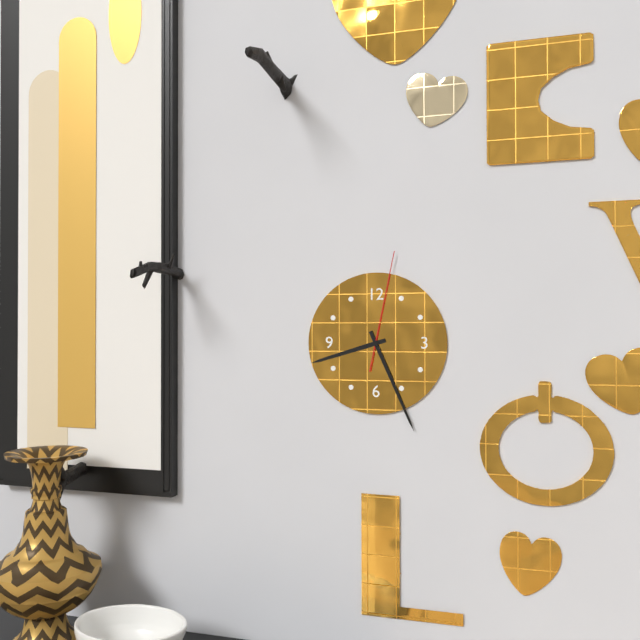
{"hour": 8, "minute": 26, "second": 2}
